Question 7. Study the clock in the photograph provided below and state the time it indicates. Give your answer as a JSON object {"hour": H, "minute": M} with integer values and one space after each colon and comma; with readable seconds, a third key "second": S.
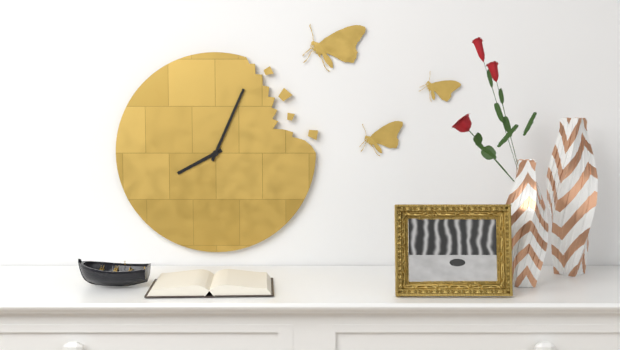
{"hour": 8, "minute": 4}
